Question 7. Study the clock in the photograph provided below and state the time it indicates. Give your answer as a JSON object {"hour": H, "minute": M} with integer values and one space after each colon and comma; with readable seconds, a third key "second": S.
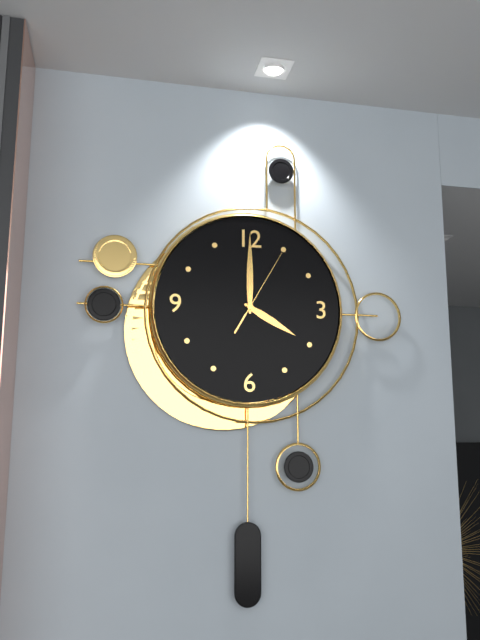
{"hour": 4, "minute": 0, "second": 5}
